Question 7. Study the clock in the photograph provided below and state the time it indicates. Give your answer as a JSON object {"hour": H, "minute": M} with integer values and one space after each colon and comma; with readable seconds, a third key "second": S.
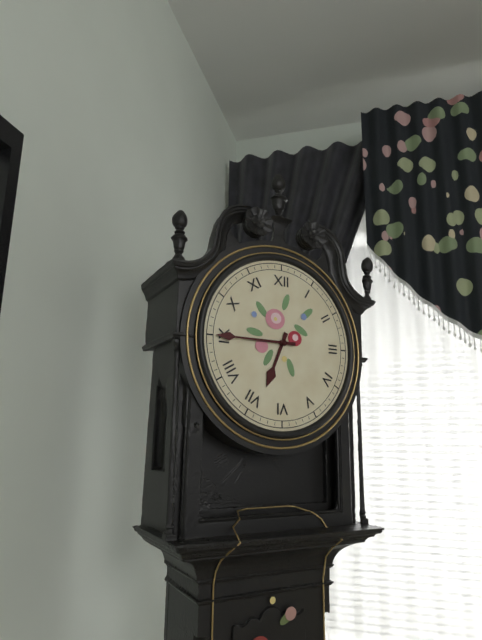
{"hour": 6, "minute": 45}
